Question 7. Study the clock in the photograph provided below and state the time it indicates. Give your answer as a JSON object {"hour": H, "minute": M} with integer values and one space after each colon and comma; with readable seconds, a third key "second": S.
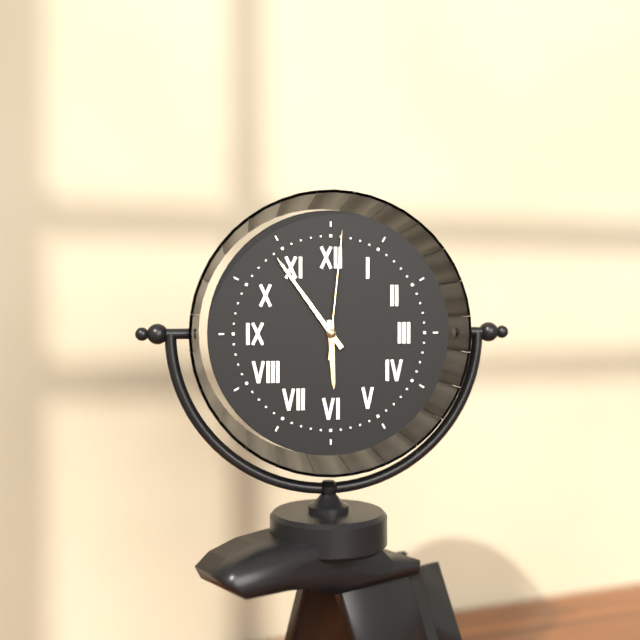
{"hour": 5, "minute": 54, "second": 1}
